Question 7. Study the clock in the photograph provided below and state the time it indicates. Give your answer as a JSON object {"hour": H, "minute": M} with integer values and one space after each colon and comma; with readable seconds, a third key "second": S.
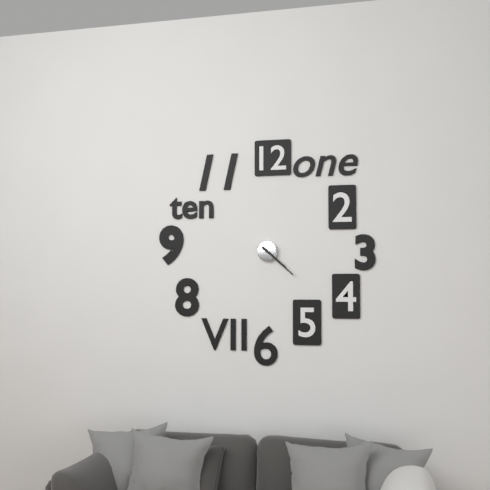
{"hour": 4, "minute": 22}
